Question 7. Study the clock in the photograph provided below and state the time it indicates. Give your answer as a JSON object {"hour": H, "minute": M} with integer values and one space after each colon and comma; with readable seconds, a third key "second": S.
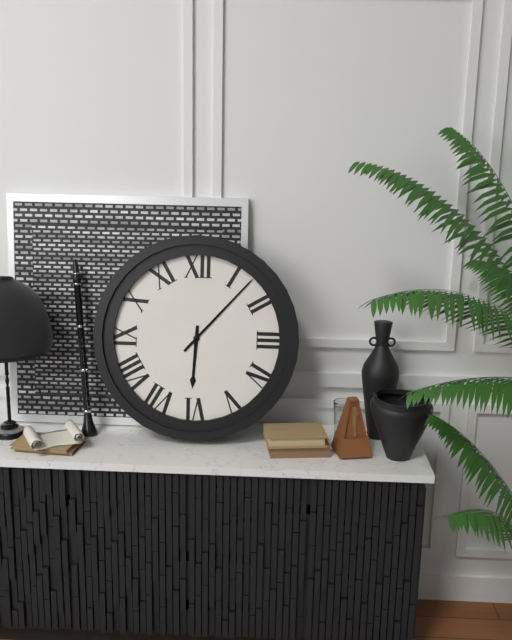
{"hour": 6, "minute": 7}
